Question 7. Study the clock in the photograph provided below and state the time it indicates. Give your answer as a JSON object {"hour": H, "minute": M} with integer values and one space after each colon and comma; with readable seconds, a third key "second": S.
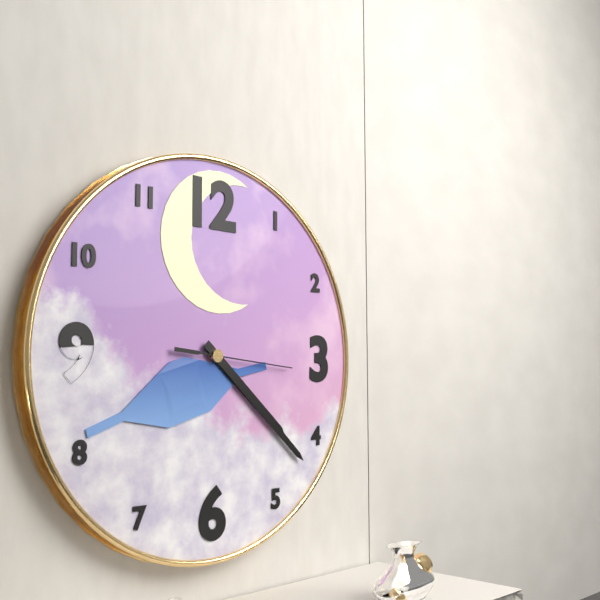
{"hour": 4, "minute": 22, "second": 16}
